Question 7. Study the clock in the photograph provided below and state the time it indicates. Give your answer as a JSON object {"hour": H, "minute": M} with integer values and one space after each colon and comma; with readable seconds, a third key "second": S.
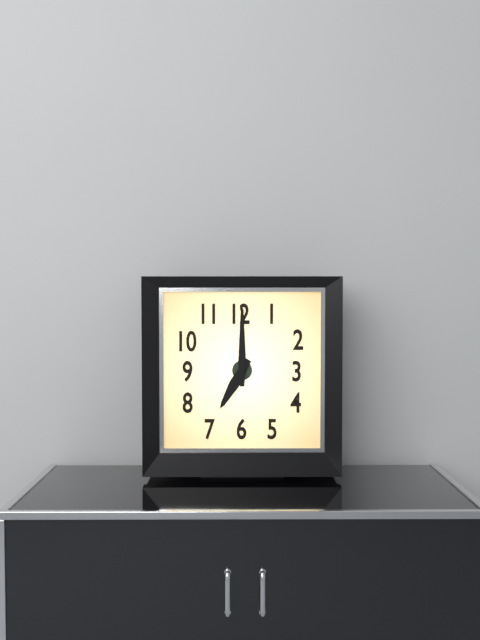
{"hour": 7, "minute": 0}
